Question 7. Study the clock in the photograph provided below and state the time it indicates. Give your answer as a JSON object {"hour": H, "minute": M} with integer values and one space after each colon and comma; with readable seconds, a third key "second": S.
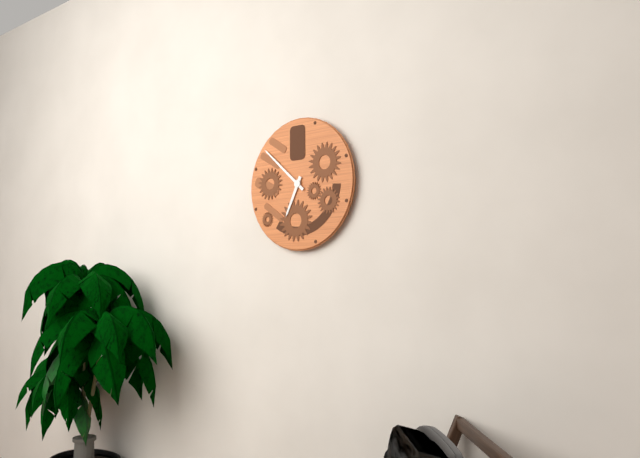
{"hour": 6, "minute": 52}
